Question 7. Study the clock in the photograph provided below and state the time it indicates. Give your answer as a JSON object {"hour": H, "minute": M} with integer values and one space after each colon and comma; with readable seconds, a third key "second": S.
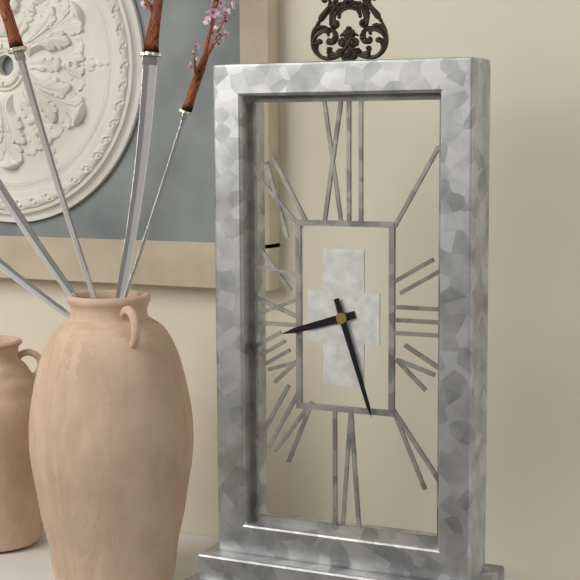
{"hour": 8, "minute": 27}
